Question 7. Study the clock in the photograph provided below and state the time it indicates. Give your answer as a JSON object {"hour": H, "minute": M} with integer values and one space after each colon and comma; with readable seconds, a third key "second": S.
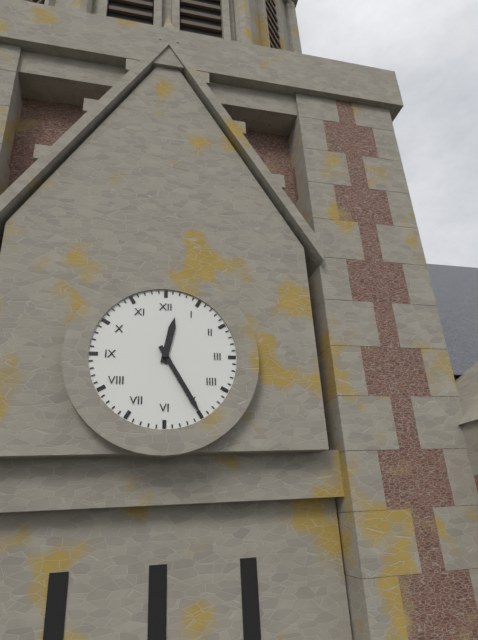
{"hour": 12, "minute": 25}
